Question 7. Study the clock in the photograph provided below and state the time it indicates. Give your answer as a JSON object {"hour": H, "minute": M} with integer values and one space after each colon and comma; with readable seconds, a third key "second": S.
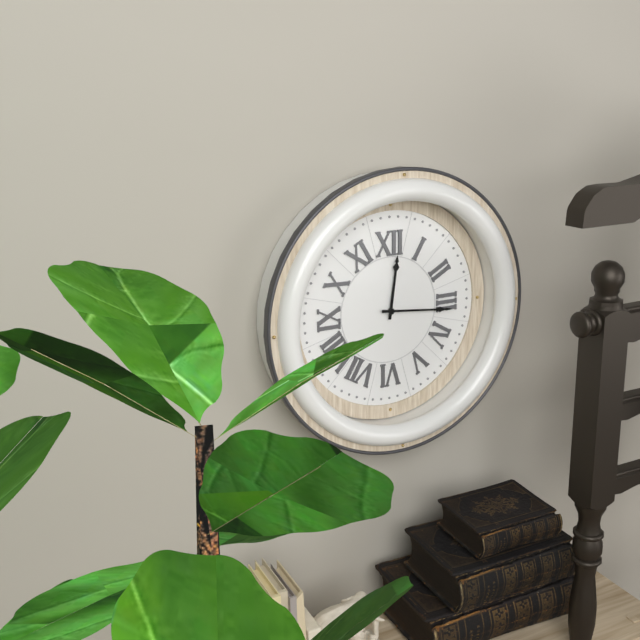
{"hour": 12, "minute": 16}
